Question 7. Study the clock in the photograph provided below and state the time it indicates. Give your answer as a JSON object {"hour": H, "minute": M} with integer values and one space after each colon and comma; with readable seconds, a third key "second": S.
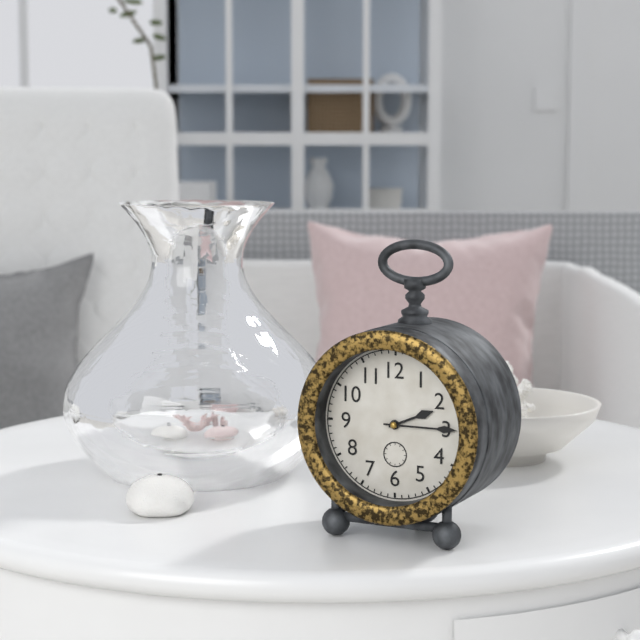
{"hour": 2, "minute": 15}
